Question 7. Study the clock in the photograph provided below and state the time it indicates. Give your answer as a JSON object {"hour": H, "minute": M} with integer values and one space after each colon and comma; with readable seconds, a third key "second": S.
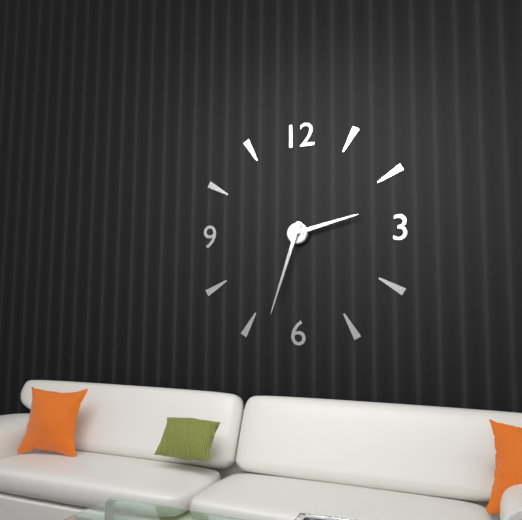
{"hour": 2, "minute": 33}
